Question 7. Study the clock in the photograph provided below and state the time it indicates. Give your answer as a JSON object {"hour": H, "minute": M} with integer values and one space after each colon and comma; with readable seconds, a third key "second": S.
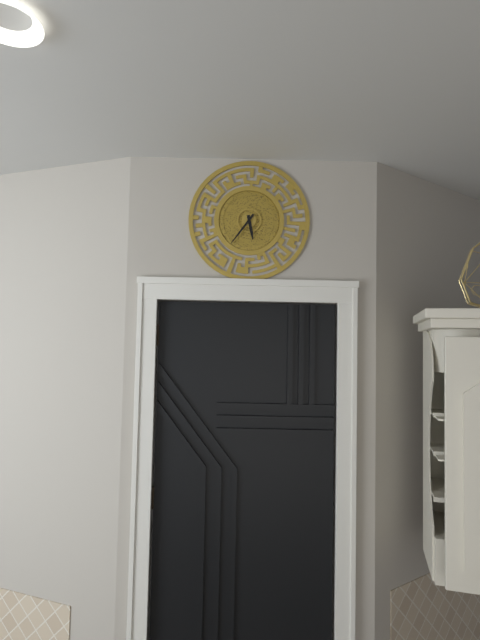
{"hour": 5, "minute": 36}
